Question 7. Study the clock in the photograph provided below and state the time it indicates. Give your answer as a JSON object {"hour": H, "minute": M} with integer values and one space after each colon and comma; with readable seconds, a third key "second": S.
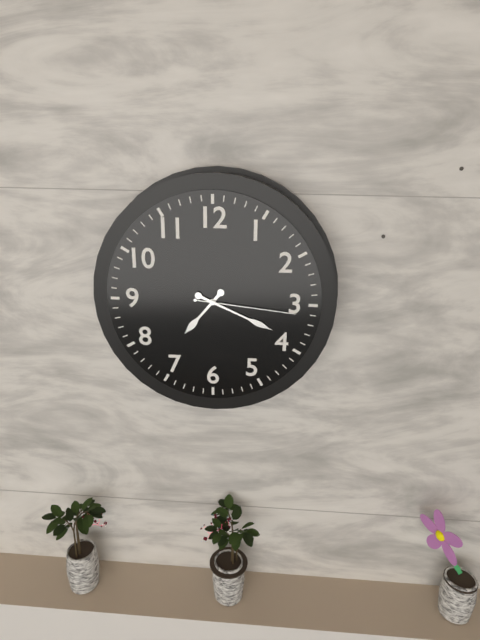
{"hour": 7, "minute": 19, "second": 16}
